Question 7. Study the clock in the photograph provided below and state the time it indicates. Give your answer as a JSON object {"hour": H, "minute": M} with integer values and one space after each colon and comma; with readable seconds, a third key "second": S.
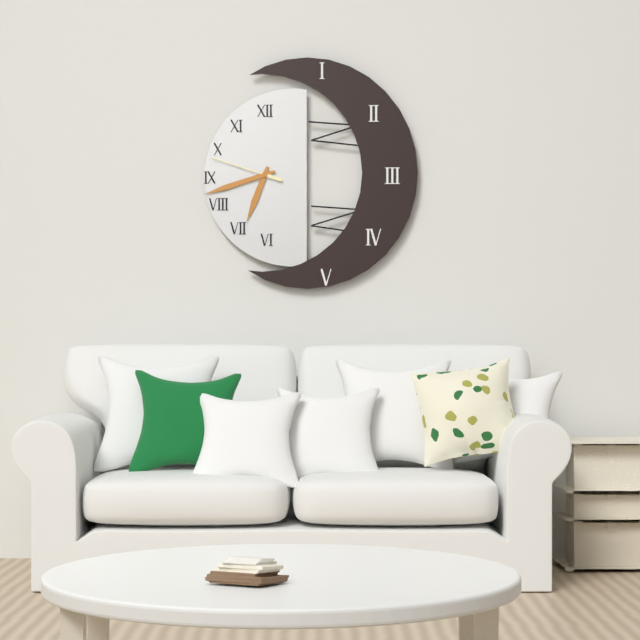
{"hour": 6, "minute": 42, "second": 48}
